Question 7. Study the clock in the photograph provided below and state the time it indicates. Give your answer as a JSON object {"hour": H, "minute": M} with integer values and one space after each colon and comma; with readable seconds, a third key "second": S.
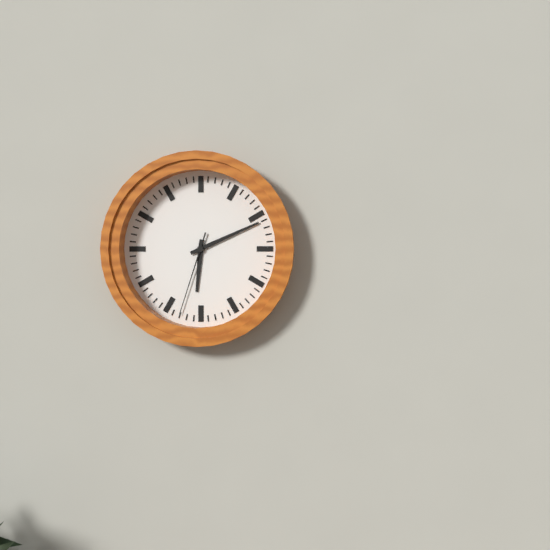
{"hour": 6, "minute": 11, "second": 33}
